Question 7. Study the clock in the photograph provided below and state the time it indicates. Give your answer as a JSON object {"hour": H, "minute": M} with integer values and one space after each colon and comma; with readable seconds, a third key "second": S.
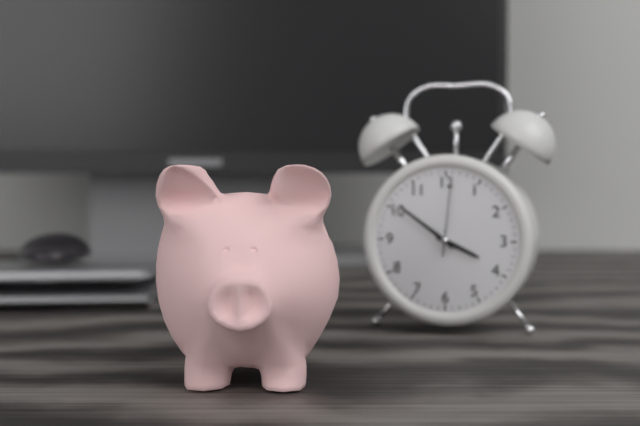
{"hour": 3, "minute": 51, "second": 1}
